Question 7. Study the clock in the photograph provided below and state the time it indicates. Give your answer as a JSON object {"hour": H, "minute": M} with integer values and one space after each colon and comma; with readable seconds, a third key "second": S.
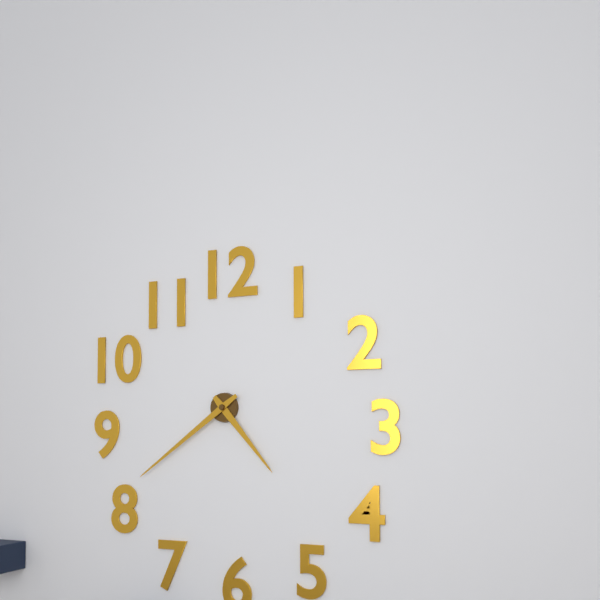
{"hour": 4, "minute": 39}
